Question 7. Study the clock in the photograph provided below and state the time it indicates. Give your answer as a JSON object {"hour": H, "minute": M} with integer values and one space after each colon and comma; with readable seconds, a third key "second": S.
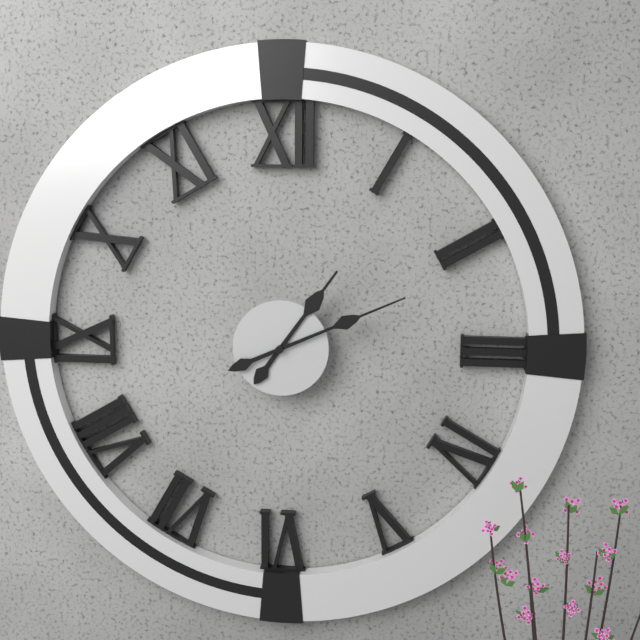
{"hour": 1, "minute": 11}
